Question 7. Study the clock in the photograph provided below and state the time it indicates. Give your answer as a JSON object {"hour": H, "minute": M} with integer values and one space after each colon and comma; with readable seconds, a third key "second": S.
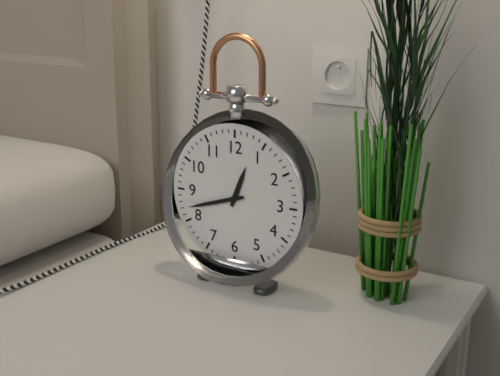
{"hour": 12, "minute": 42}
